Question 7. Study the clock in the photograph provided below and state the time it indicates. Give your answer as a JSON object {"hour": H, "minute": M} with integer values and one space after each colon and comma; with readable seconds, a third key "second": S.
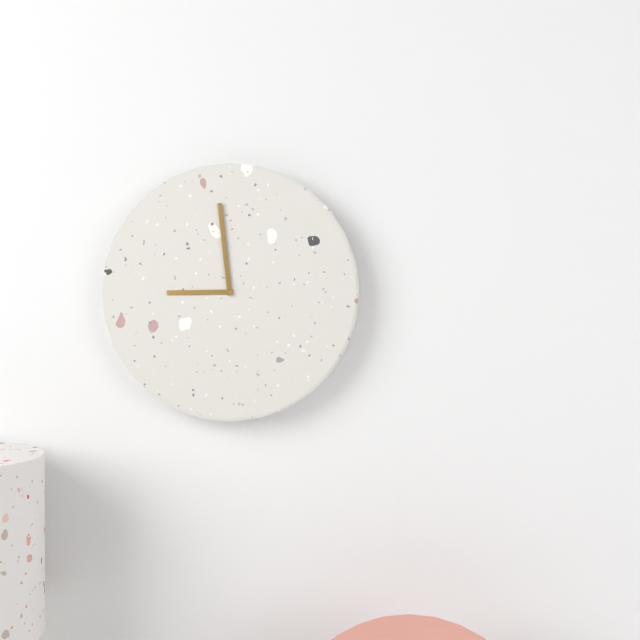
{"hour": 8, "minute": 59}
